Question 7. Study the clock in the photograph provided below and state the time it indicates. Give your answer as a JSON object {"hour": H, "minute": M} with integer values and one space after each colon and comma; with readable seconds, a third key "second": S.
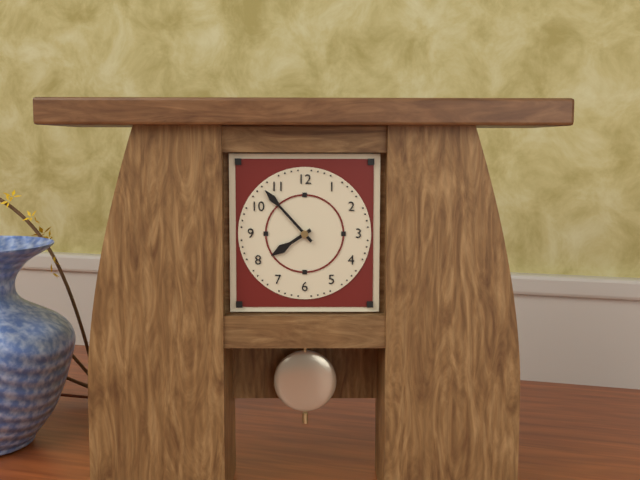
{"hour": 7, "minute": 53}
